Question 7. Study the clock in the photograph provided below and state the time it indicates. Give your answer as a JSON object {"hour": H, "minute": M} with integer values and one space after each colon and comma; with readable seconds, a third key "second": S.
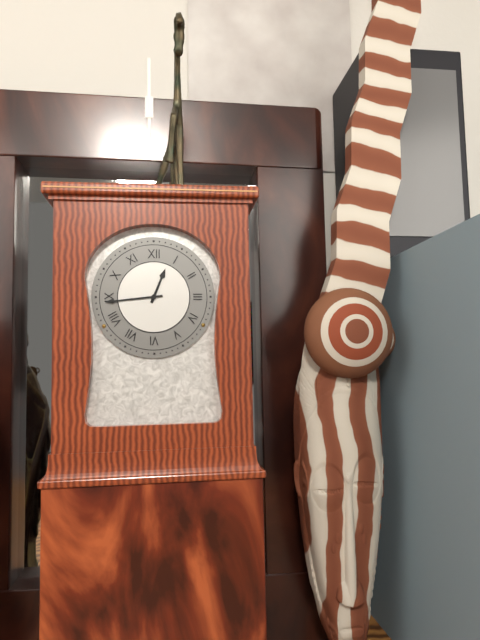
{"hour": 12, "minute": 44}
